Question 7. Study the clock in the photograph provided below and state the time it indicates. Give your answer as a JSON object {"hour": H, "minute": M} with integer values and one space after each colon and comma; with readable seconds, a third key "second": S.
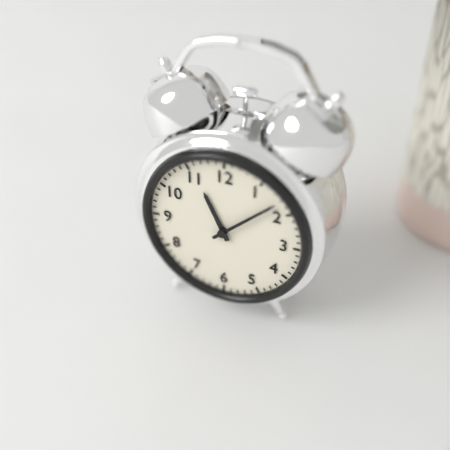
{"hour": 11, "minute": 8}
